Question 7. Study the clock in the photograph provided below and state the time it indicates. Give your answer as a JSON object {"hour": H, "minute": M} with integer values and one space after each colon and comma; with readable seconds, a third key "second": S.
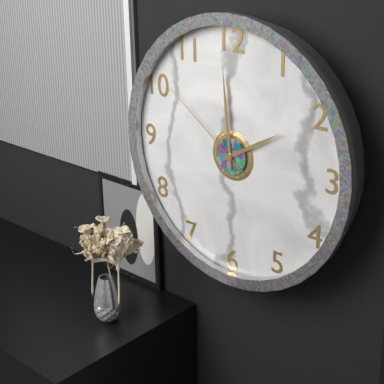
{"hour": 1, "minute": 59, "second": 51}
